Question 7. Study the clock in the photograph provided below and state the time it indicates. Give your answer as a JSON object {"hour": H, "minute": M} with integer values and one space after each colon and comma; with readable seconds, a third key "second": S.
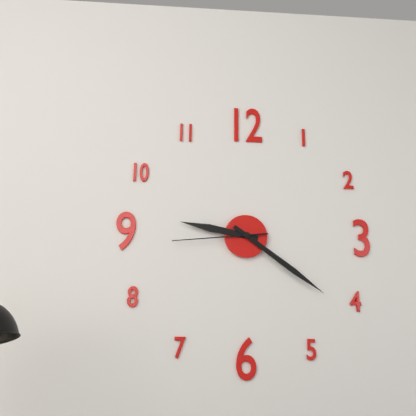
{"hour": 9, "minute": 21, "second": 44}
